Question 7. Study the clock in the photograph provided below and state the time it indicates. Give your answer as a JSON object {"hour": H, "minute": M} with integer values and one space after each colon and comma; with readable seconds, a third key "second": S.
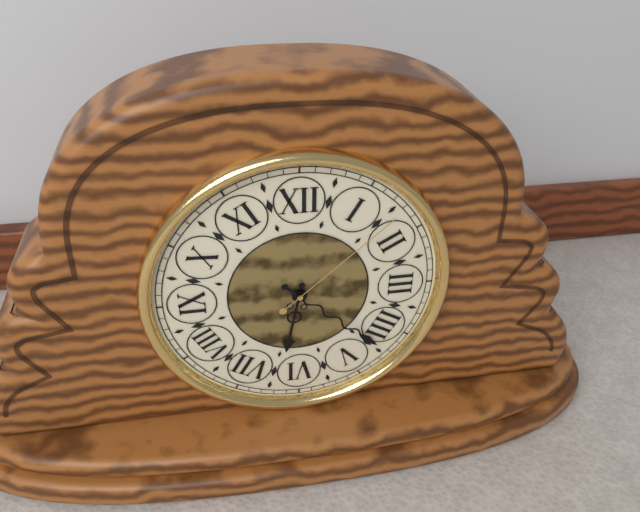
{"hour": 6, "minute": 22, "second": 8}
